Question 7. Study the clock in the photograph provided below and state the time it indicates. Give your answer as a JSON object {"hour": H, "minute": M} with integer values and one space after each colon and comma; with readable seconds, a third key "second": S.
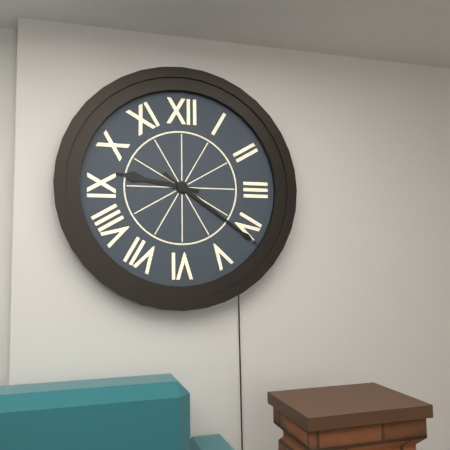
{"hour": 9, "minute": 21}
